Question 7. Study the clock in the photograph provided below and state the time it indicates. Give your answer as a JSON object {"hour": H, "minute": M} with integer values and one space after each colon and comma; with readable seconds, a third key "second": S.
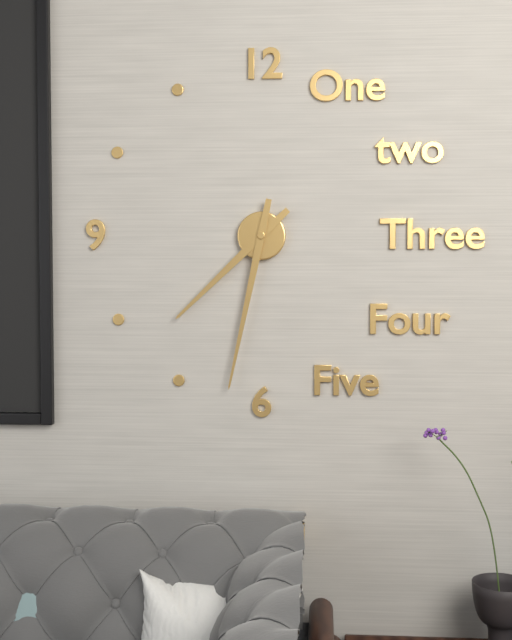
{"hour": 7, "minute": 32}
